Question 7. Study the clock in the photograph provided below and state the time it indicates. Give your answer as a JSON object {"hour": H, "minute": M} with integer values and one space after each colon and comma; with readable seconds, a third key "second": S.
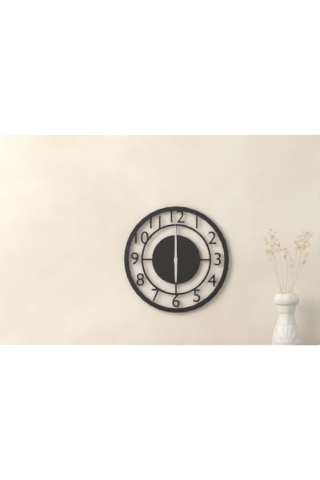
{"hour": 6, "minute": 0}
